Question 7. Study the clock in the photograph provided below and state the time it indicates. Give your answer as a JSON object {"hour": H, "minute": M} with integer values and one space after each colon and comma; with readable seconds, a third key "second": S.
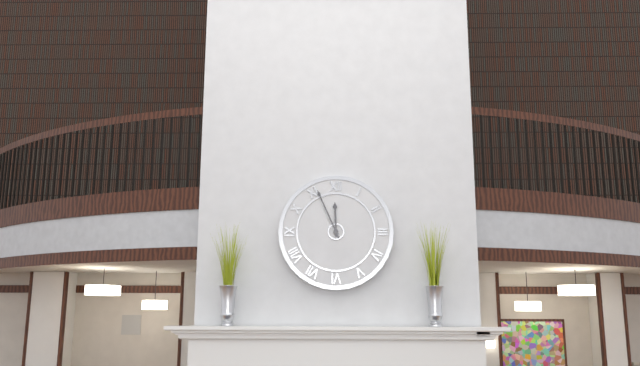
{"hour": 11, "minute": 56}
